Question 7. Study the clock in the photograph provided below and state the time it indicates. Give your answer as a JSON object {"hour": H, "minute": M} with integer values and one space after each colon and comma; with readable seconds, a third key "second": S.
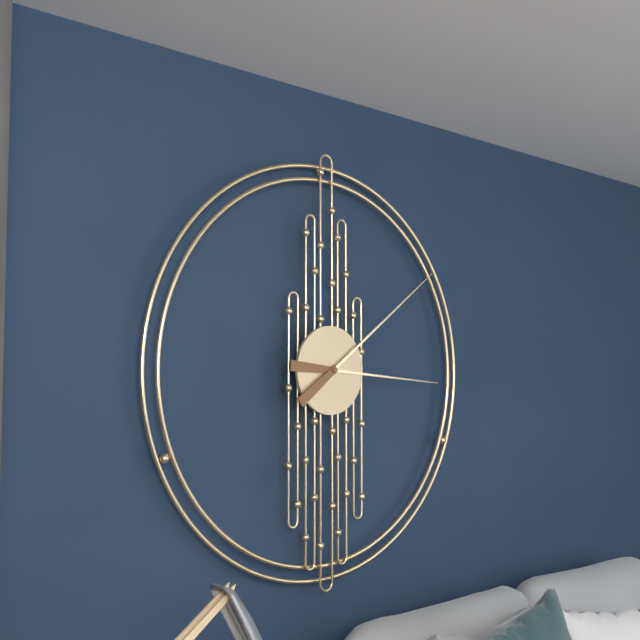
{"hour": 3, "minute": 9}
